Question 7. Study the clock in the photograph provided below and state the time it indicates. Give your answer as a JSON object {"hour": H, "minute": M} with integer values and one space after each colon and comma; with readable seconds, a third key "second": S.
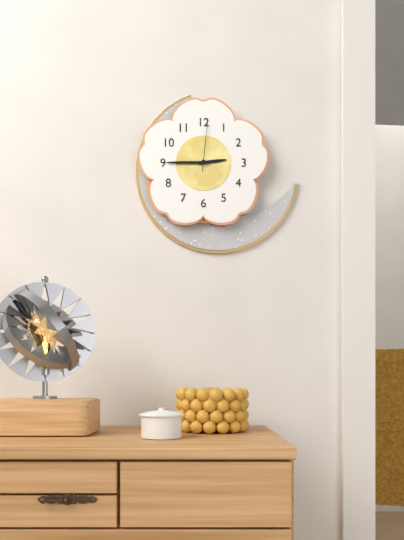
{"hour": 2, "minute": 45, "second": 1}
